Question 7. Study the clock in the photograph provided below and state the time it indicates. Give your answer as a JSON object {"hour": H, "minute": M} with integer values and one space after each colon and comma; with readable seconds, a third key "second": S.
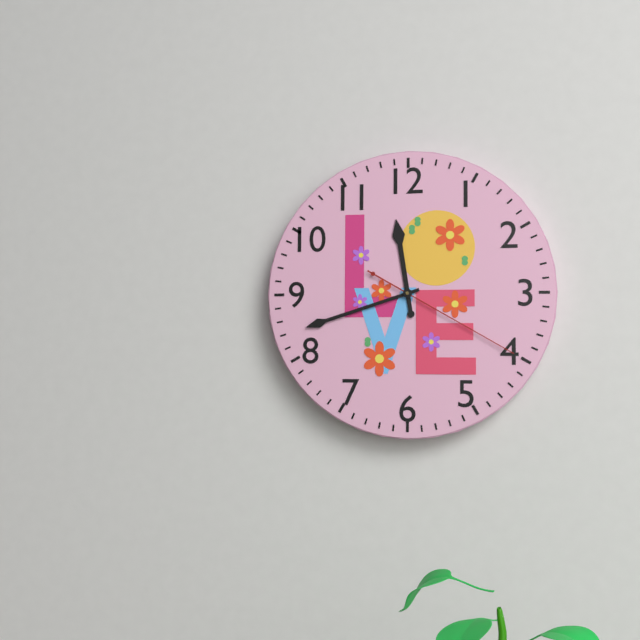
{"hour": 11, "minute": 42, "second": 20}
